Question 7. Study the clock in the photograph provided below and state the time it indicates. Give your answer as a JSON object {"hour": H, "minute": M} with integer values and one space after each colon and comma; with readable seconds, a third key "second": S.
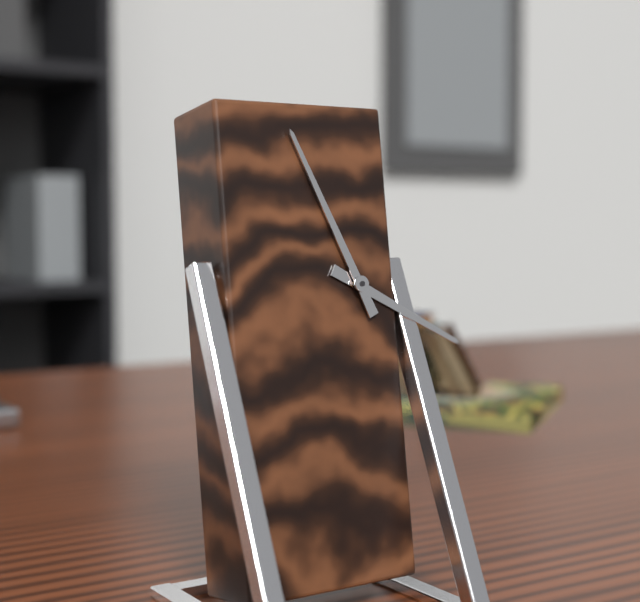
{"hour": 3, "minute": 56}
